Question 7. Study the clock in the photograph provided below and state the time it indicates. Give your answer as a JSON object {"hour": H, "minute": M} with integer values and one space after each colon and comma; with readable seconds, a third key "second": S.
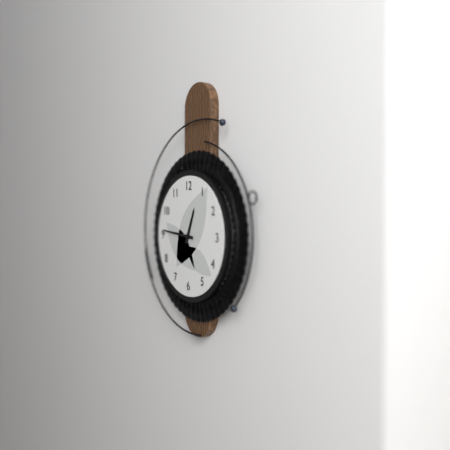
{"hour": 12, "minute": 46}
